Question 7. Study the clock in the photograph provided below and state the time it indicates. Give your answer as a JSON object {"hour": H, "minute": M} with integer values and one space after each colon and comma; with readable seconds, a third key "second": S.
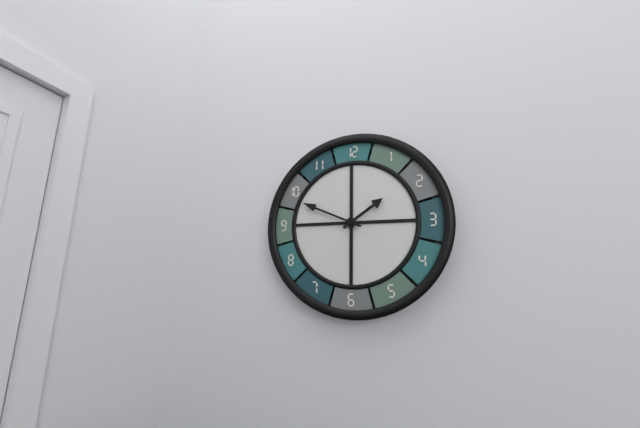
{"hour": 1, "minute": 49}
